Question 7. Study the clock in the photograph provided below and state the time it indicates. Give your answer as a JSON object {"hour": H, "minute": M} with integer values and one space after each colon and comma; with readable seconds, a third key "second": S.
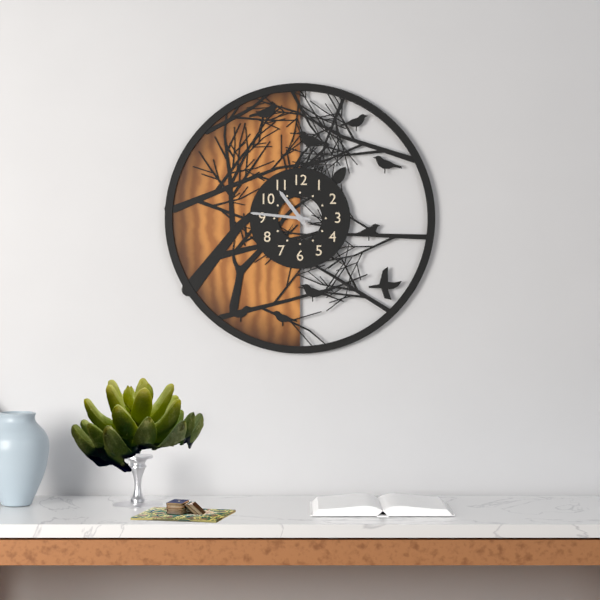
{"hour": 10, "minute": 46}
